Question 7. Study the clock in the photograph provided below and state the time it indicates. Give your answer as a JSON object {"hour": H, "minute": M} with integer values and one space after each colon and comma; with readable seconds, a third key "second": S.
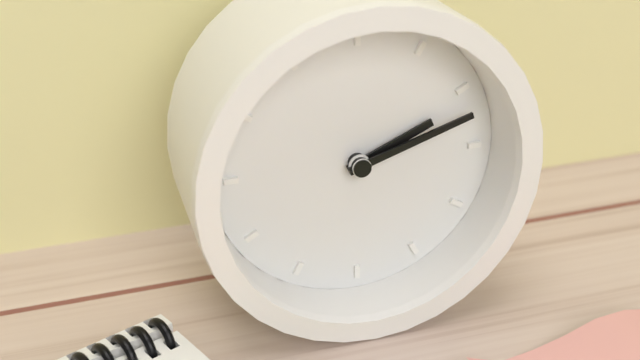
{"hour": 2, "minute": 12}
